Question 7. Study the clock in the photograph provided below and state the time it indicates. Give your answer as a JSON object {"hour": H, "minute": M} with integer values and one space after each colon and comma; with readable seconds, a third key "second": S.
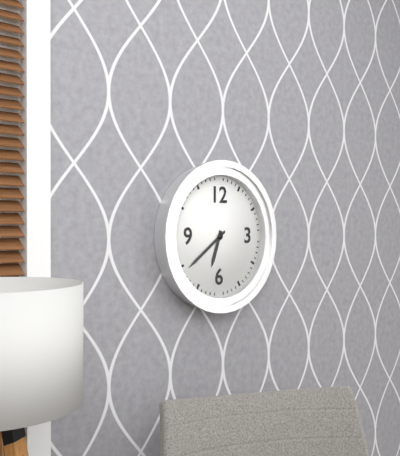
{"hour": 6, "minute": 39}
